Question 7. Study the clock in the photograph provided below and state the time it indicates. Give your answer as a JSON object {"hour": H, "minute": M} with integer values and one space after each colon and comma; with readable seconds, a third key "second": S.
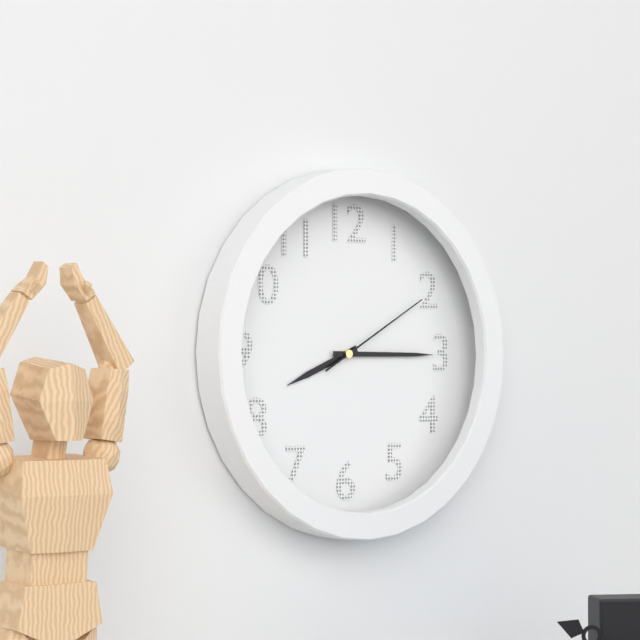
{"hour": 8, "minute": 15, "second": 10}
